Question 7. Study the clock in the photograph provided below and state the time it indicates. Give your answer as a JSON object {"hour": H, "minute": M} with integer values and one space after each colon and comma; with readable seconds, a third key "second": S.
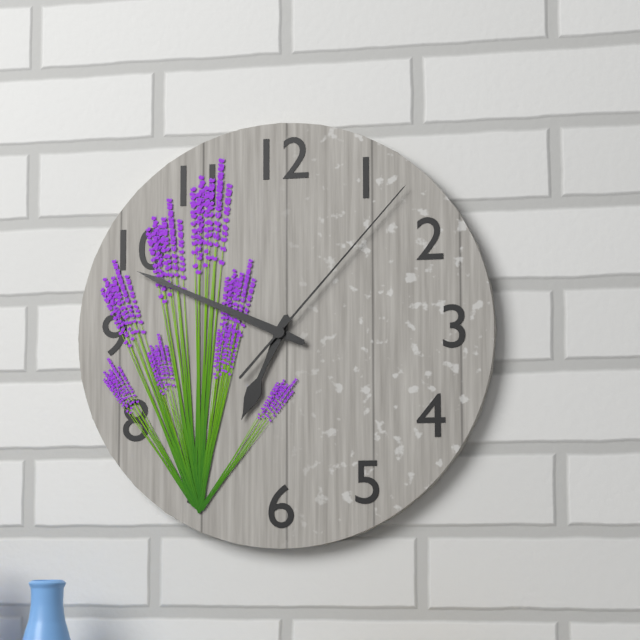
{"hour": 6, "minute": 49, "second": 7}
